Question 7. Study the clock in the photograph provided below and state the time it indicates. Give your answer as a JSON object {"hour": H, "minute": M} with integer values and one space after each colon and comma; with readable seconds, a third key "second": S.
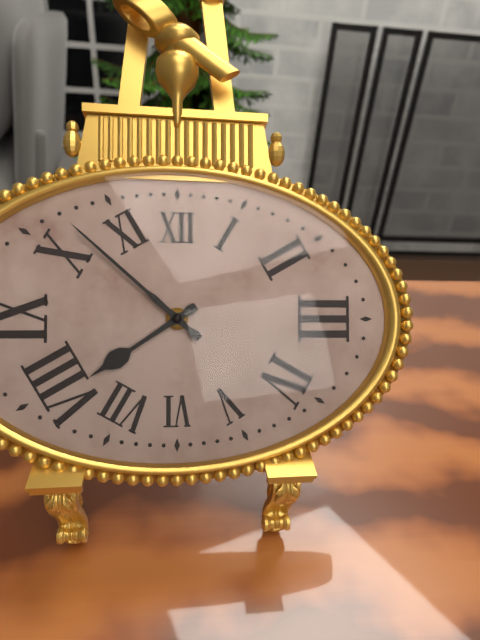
{"hour": 7, "minute": 52}
